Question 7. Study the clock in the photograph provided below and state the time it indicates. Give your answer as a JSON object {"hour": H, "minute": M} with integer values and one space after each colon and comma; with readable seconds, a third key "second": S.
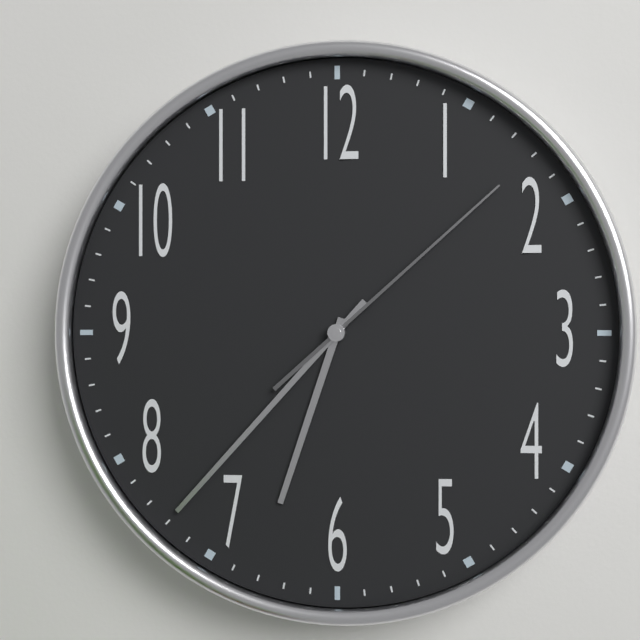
{"hour": 6, "minute": 37, "second": 8}
